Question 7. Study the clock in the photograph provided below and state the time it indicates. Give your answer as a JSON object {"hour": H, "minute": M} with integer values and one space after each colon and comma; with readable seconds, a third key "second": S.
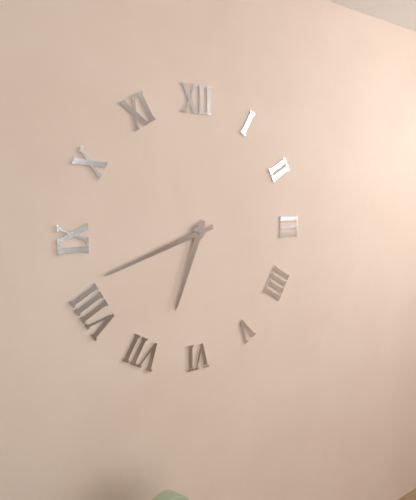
{"hour": 6, "minute": 42}
